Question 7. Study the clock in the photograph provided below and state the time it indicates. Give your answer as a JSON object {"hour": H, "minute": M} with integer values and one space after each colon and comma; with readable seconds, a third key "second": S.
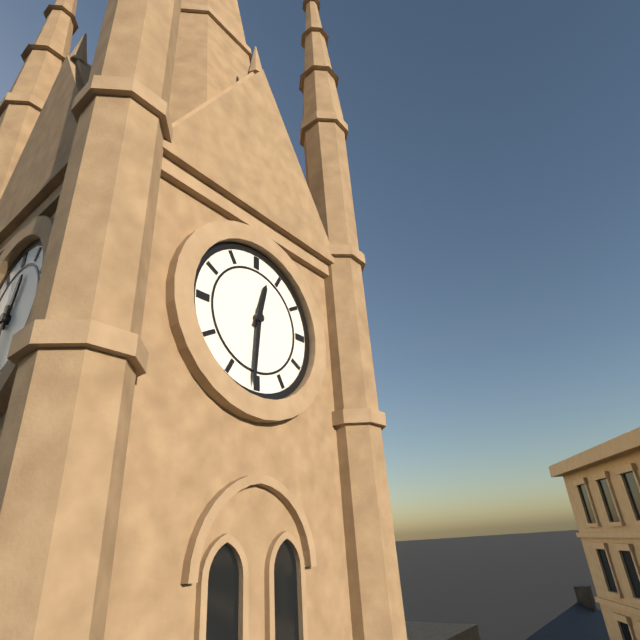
{"hour": 12, "minute": 31}
